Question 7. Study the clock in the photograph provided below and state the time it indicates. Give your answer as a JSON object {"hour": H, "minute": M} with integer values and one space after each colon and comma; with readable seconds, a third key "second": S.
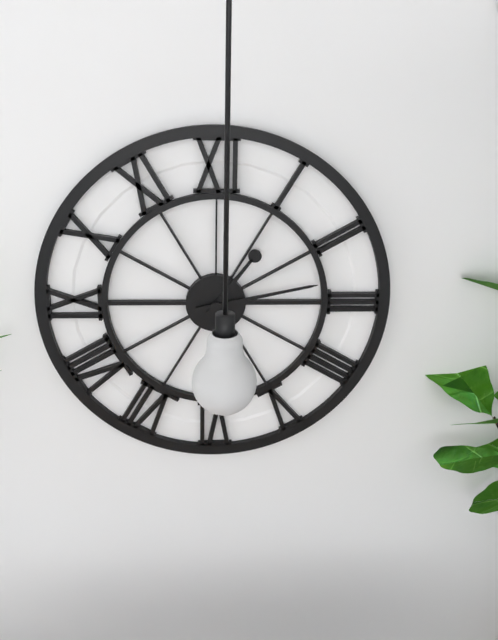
{"hour": 1, "minute": 13}
